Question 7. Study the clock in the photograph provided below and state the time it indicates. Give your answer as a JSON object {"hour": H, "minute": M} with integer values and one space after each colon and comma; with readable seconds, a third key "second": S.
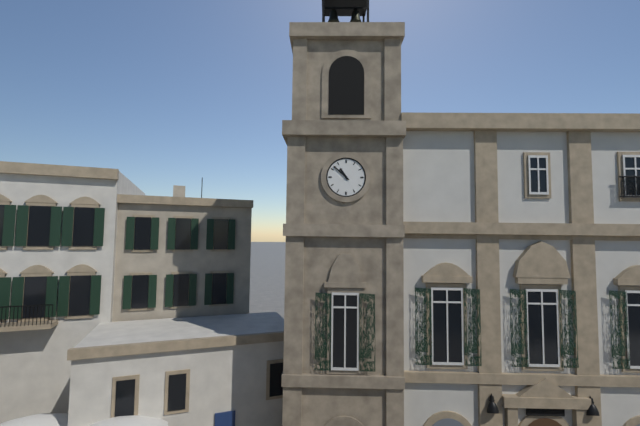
{"hour": 10, "minute": 52}
